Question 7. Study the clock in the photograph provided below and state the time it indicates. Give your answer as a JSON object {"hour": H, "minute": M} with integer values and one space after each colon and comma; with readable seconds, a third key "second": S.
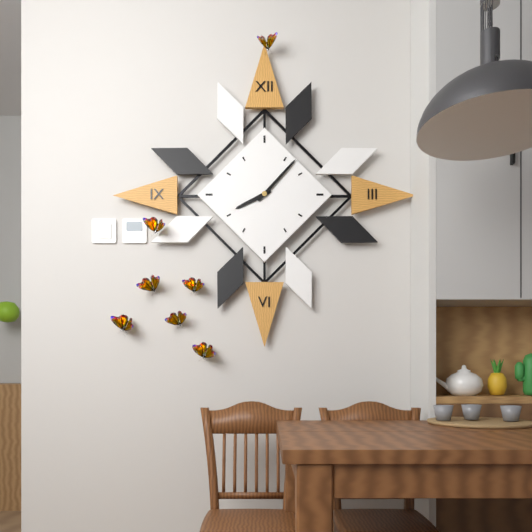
{"hour": 8, "minute": 7}
